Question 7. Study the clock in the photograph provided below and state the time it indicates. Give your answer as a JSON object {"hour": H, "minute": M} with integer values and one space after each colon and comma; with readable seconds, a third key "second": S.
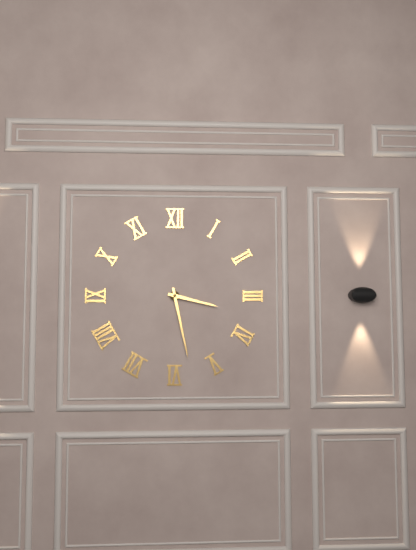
{"hour": 3, "minute": 28}
